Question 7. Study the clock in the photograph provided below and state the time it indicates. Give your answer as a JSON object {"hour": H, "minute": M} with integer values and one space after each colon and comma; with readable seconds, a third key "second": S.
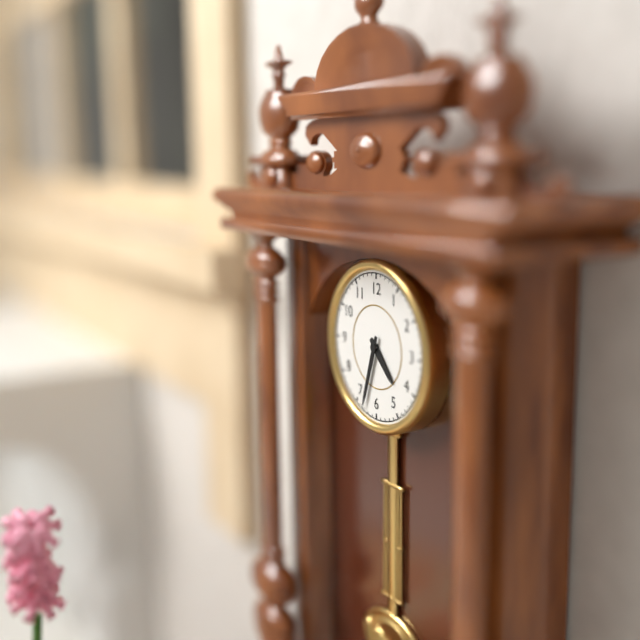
{"hour": 4, "minute": 33}
